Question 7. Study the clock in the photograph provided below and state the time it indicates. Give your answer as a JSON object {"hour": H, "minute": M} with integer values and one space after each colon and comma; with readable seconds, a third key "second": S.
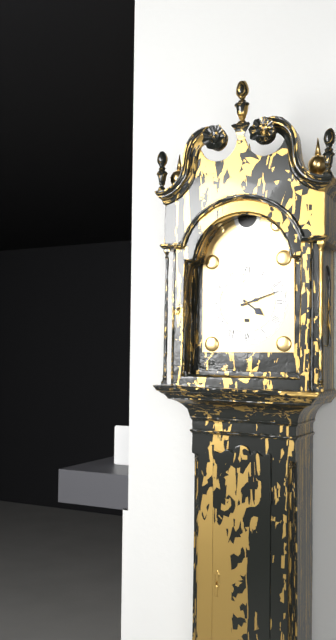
{"hour": 4, "minute": 12}
